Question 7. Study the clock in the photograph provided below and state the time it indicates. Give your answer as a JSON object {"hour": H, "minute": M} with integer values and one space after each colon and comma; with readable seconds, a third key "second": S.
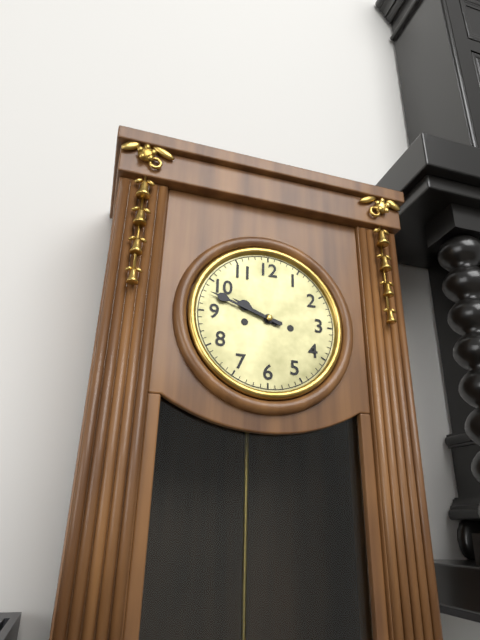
{"hour": 9, "minute": 48}
